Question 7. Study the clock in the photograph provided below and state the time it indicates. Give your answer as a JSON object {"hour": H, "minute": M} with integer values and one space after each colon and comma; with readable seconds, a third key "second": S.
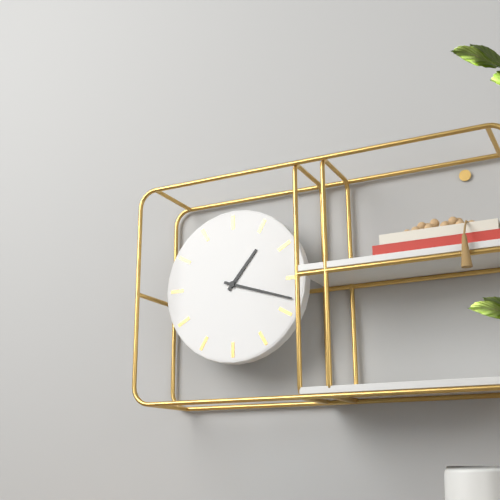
{"hour": 1, "minute": 18}
